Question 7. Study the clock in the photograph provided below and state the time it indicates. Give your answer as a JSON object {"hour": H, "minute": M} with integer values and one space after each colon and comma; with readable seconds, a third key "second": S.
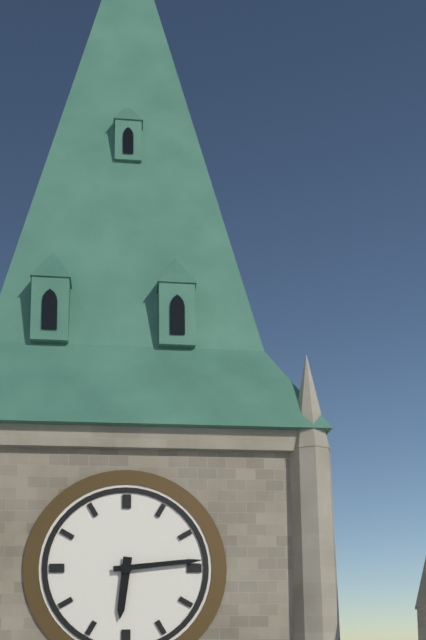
{"hour": 6, "minute": 14}
